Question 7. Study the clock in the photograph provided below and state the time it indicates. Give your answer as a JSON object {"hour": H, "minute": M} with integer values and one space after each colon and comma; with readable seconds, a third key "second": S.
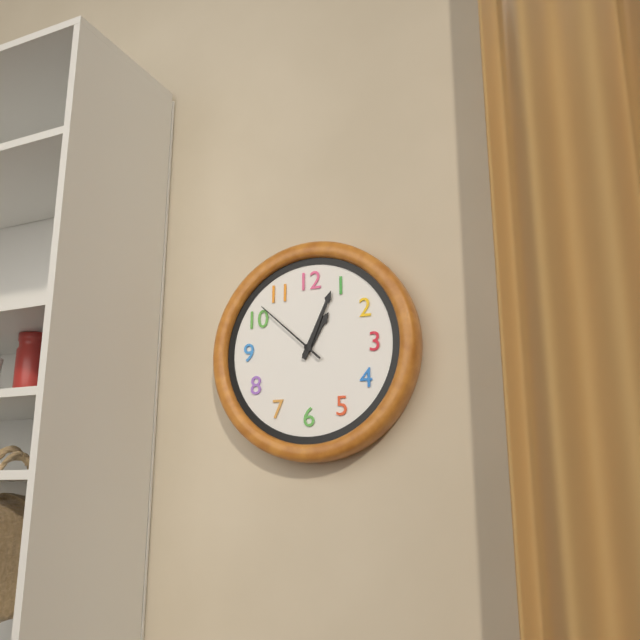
{"hour": 1, "minute": 4, "second": 52}
